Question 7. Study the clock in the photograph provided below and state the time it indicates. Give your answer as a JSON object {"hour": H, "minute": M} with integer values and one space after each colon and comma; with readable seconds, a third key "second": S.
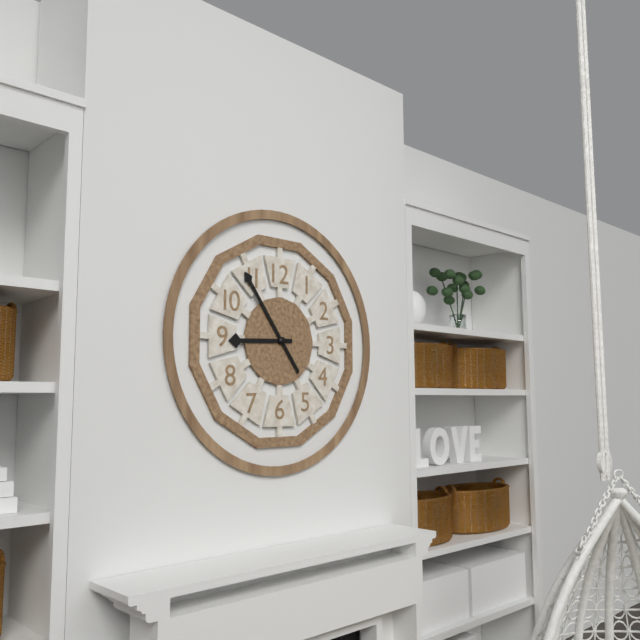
{"hour": 8, "minute": 54}
